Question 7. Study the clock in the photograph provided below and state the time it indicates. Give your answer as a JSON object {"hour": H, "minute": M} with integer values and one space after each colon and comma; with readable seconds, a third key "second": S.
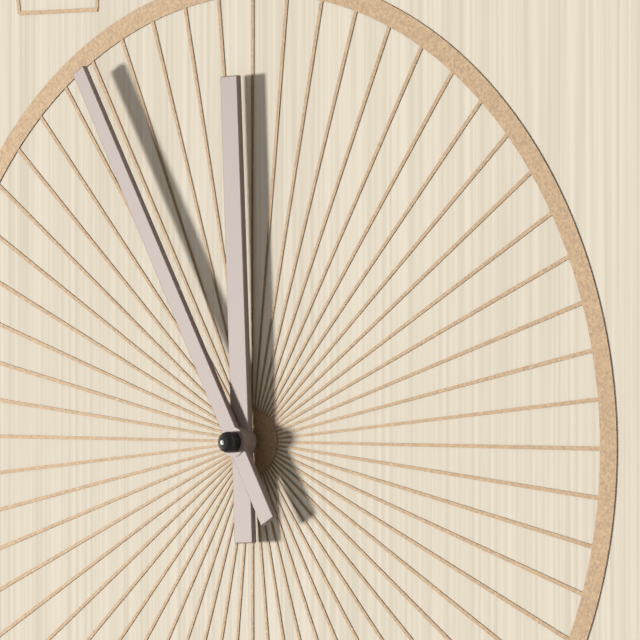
{"hour": 11, "minute": 55}
